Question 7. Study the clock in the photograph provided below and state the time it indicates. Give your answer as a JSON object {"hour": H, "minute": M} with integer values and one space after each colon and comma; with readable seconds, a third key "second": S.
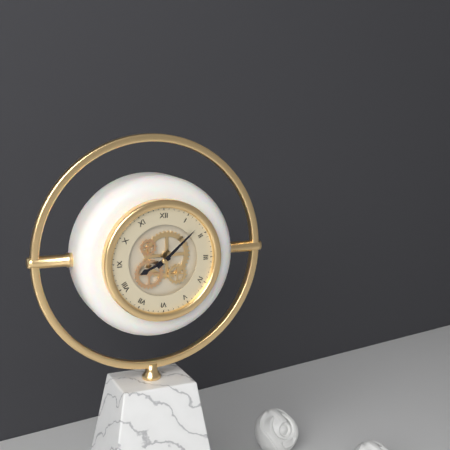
{"hour": 8, "minute": 8}
